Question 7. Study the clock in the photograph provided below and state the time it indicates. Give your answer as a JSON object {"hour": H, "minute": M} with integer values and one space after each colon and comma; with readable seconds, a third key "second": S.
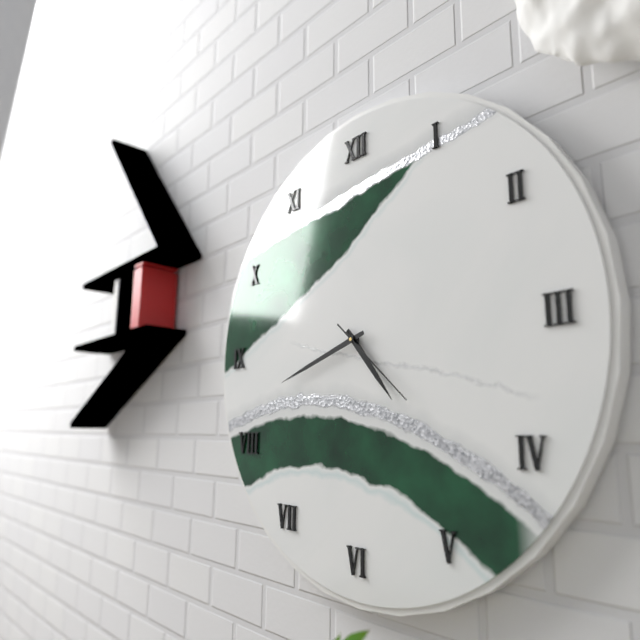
{"hour": 4, "minute": 42, "second": 22}
